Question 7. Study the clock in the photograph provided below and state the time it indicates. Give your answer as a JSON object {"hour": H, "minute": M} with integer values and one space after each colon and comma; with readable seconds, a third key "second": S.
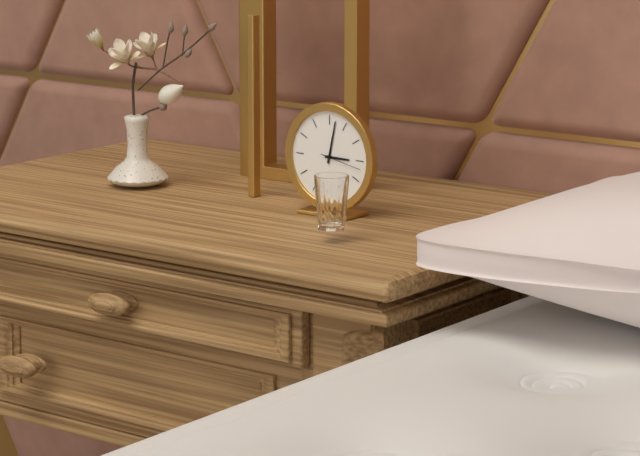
{"hour": 3, "minute": 2}
